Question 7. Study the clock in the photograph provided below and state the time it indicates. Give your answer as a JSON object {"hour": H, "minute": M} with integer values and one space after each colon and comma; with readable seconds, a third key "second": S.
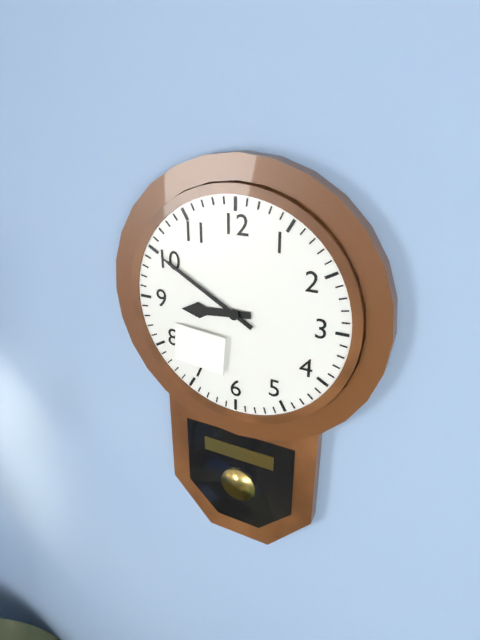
{"hour": 8, "minute": 50}
